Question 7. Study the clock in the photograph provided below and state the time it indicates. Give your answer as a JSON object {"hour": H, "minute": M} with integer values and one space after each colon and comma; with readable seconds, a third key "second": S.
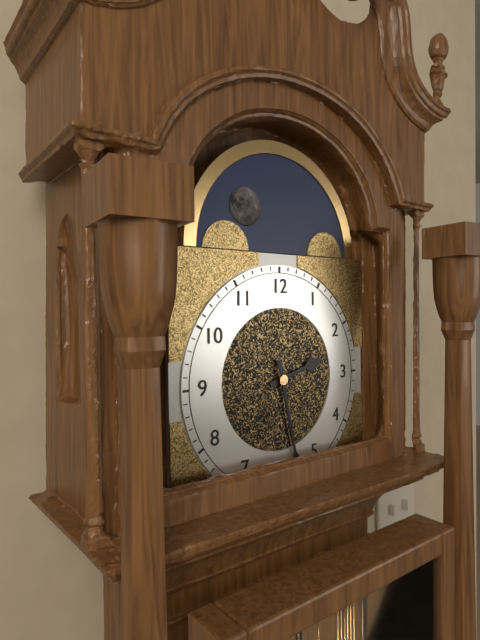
{"hour": 2, "minute": 28}
